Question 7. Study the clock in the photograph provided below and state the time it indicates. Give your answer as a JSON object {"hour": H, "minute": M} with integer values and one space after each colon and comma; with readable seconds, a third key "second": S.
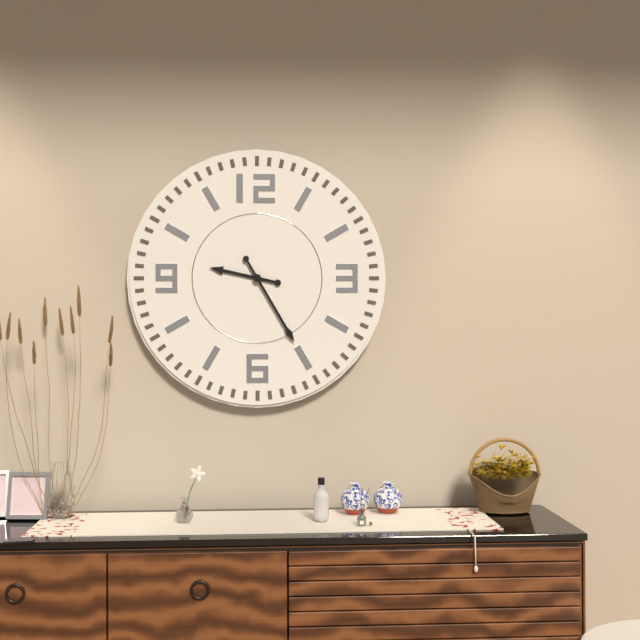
{"hour": 9, "minute": 25}
